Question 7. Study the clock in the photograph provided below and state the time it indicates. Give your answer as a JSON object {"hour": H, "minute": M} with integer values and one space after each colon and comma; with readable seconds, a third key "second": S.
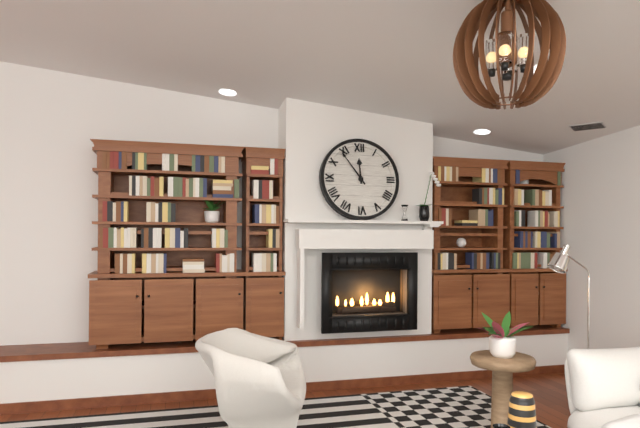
{"hour": 11, "minute": 54}
